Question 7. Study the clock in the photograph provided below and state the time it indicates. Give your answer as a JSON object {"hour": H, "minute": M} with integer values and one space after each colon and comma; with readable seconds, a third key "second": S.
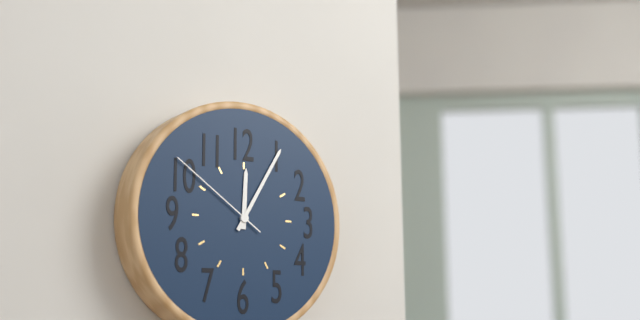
{"hour": 12, "minute": 5, "second": 51}
